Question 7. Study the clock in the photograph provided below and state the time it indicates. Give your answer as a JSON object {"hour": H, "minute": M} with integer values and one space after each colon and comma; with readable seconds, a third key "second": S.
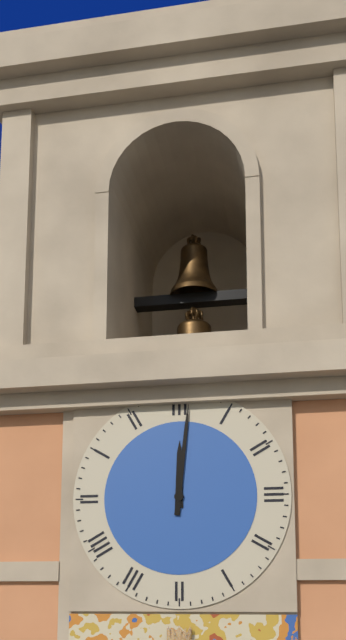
{"hour": 12, "minute": 1}
